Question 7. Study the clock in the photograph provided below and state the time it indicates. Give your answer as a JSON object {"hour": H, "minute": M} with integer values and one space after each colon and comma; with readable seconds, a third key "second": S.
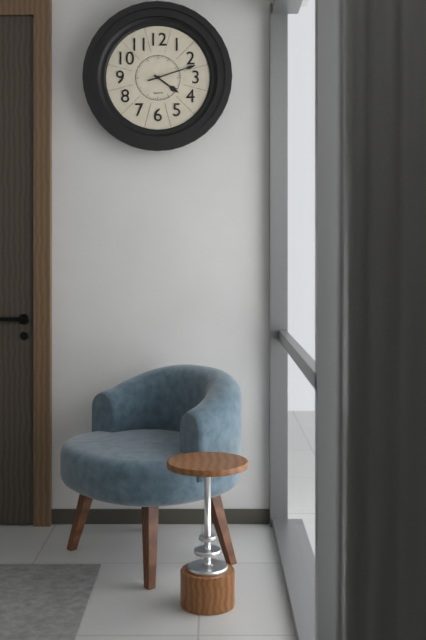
{"hour": 4, "minute": 12}
